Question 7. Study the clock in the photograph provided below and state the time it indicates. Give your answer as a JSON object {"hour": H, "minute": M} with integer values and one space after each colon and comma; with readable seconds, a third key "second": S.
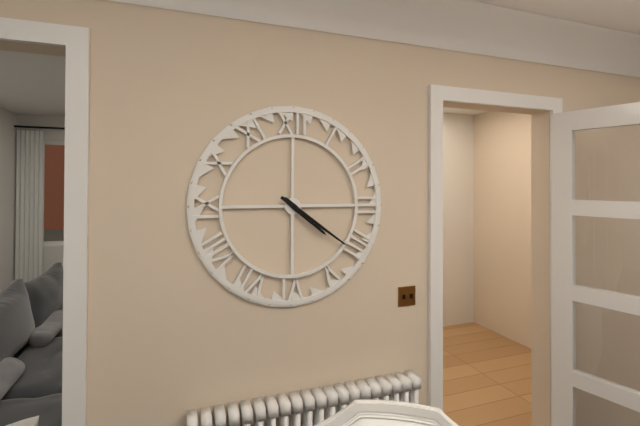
{"hour": 4, "minute": 21}
